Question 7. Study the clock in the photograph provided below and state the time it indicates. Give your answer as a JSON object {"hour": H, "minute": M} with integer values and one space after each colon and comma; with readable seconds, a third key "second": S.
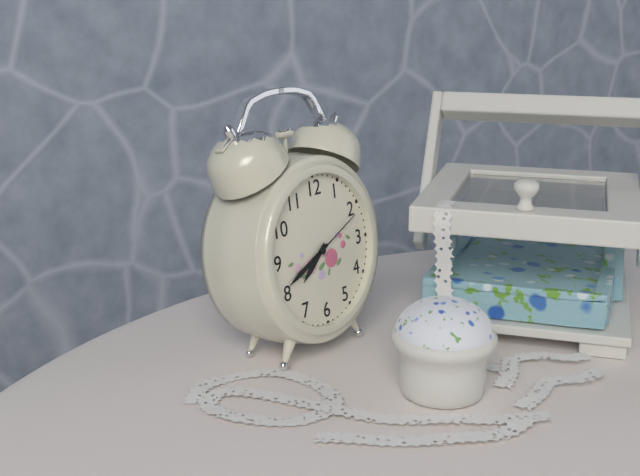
{"hour": 7, "minute": 41, "second": 11}
